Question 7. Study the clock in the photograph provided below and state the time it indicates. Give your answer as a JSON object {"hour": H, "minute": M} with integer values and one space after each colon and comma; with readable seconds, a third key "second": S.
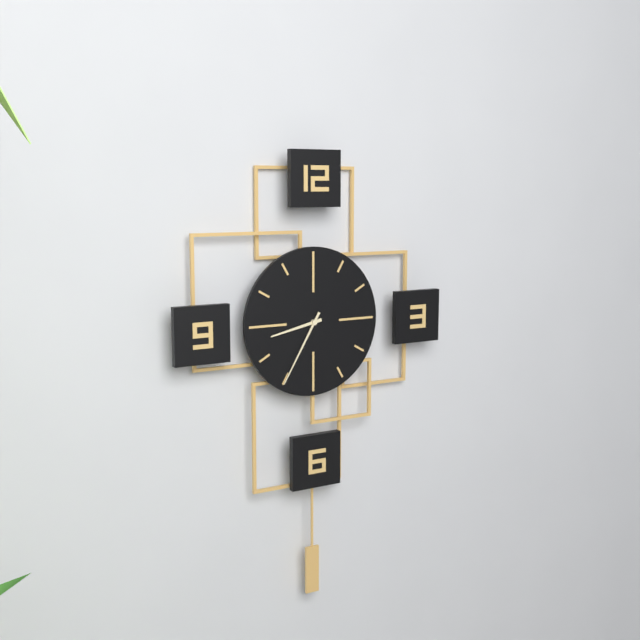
{"hour": 8, "minute": 35}
